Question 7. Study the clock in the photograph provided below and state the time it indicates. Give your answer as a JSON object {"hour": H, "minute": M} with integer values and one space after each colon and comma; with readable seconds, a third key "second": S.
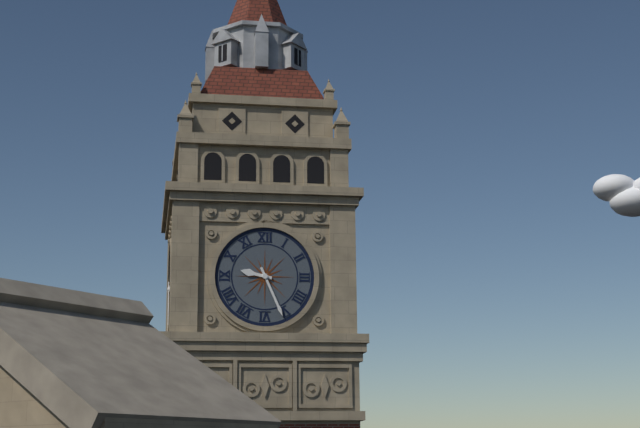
{"hour": 9, "minute": 26}
